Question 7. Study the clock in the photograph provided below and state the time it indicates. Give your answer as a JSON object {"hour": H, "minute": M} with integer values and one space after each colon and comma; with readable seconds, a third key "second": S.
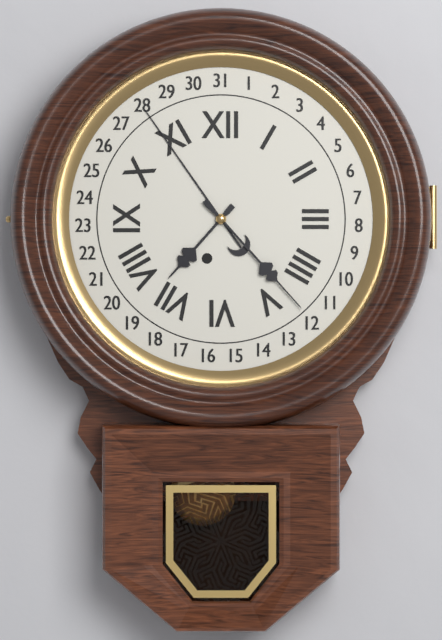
{"hour": 7, "minute": 23}
